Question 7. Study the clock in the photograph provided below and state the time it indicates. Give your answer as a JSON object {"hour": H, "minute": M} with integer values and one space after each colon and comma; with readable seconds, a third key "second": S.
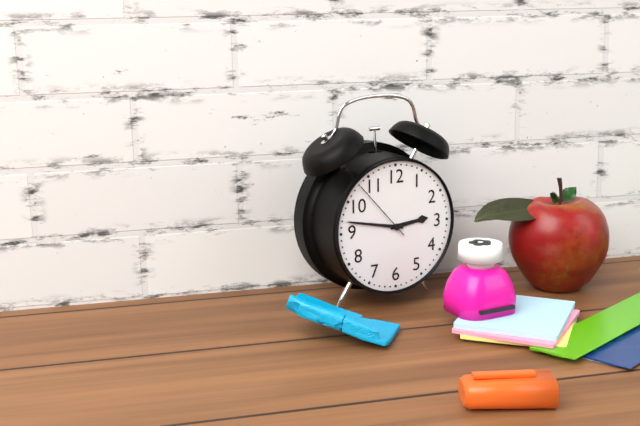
{"hour": 2, "minute": 47, "second": 53}
